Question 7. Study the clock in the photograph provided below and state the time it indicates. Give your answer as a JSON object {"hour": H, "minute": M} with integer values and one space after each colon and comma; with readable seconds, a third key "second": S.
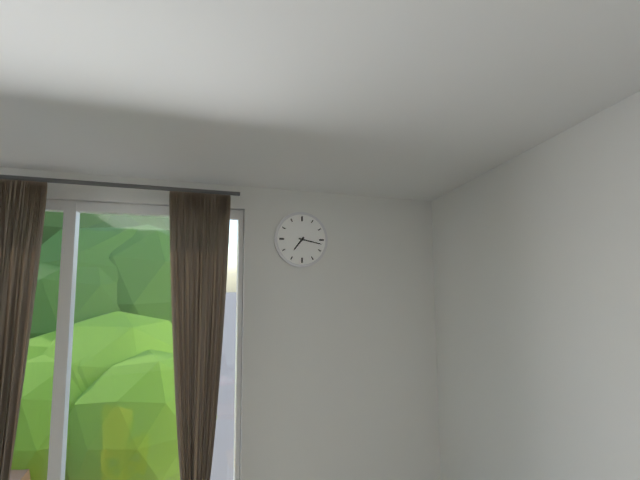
{"hour": 7, "minute": 17}
